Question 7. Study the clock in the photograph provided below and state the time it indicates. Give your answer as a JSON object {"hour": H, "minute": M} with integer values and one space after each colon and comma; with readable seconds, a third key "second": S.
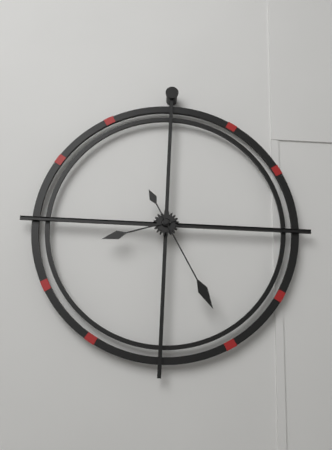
{"hour": 8, "minute": 25}
